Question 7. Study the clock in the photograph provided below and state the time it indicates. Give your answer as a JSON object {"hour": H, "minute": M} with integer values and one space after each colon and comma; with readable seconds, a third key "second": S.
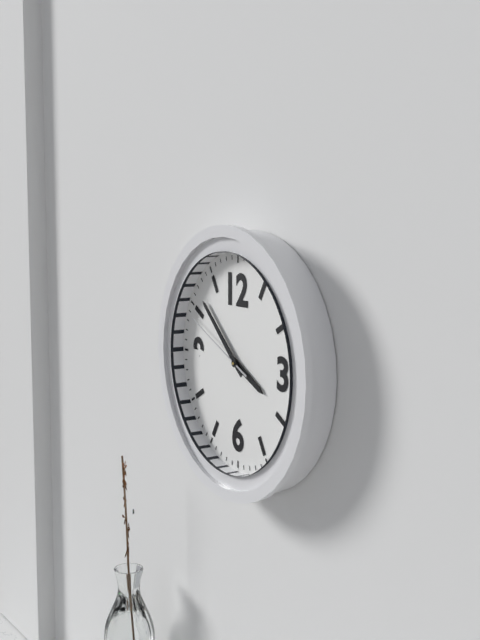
{"hour": 3, "minute": 52, "second": 49}
